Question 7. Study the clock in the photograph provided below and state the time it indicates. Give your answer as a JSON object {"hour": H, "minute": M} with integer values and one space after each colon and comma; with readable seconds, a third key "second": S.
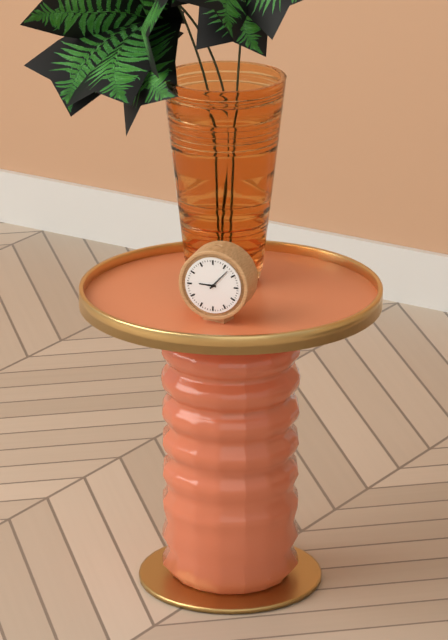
{"hour": 9, "minute": 7}
